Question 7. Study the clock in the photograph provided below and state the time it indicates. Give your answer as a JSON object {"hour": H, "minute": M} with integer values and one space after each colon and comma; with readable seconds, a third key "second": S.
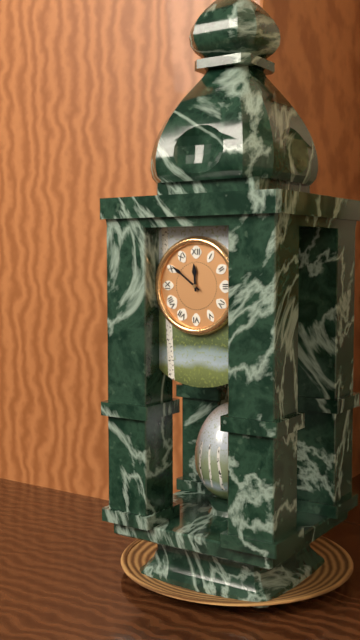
{"hour": 11, "minute": 51}
